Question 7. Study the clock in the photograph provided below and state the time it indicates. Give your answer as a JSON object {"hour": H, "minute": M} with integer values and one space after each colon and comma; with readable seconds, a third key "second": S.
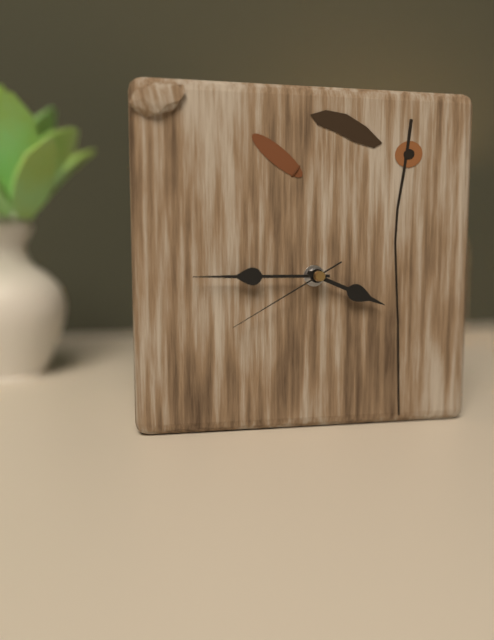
{"hour": 3, "minute": 45, "second": 40}
